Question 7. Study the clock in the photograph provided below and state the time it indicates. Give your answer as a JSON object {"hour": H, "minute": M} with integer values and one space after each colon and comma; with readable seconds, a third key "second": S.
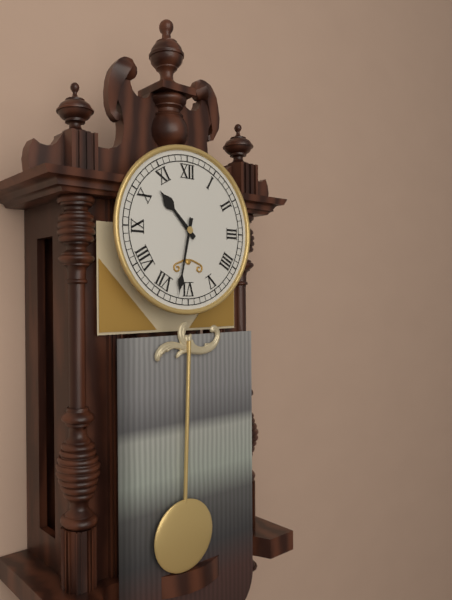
{"hour": 10, "minute": 32}
